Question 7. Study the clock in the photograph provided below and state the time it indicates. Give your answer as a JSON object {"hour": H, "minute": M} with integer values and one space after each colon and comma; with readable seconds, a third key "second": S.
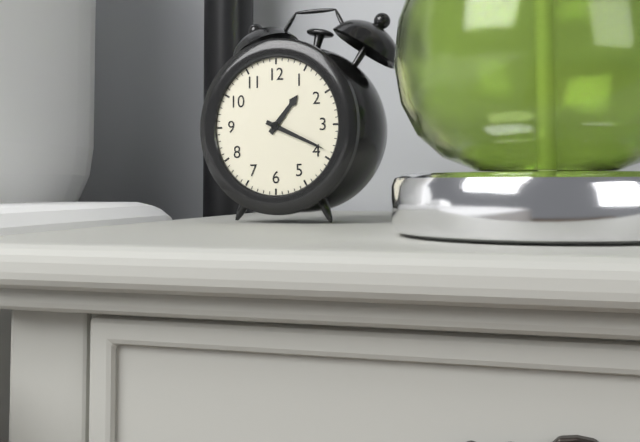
{"hour": 1, "minute": 19}
